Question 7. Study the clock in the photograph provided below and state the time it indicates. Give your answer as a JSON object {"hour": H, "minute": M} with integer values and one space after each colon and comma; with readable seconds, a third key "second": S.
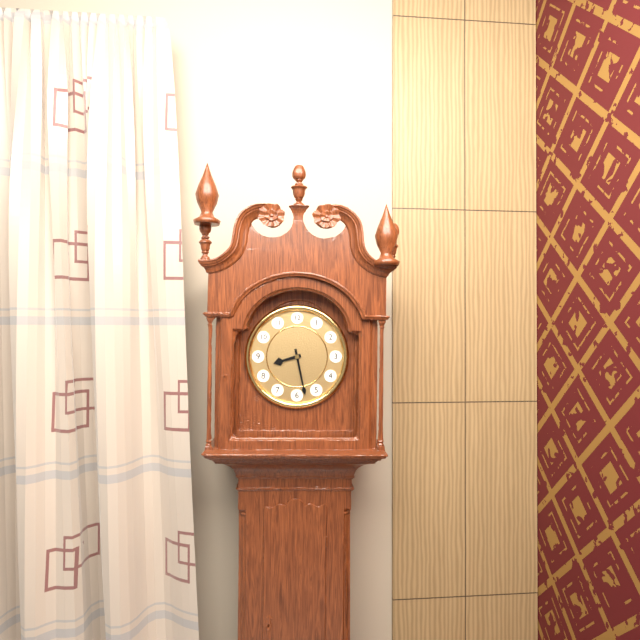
{"hour": 8, "minute": 28}
